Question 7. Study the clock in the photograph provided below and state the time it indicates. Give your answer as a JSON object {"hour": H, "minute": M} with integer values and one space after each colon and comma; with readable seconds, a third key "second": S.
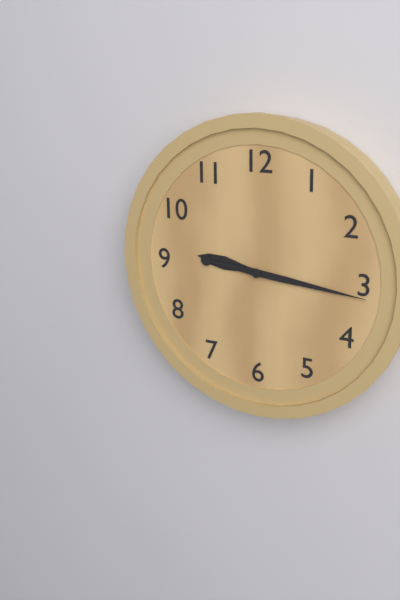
{"hour": 9, "minute": 16}
